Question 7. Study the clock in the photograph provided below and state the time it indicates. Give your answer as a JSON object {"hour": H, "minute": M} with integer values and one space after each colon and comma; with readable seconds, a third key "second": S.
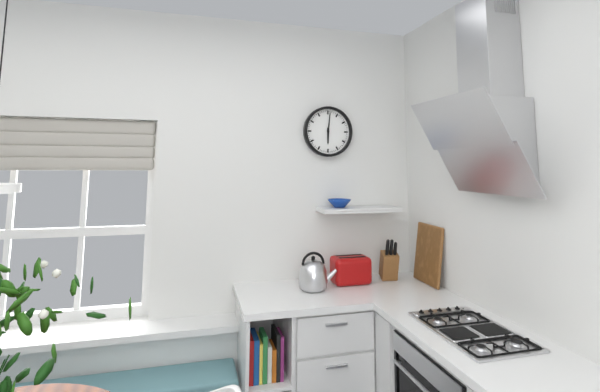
{"hour": 6, "minute": 1}
